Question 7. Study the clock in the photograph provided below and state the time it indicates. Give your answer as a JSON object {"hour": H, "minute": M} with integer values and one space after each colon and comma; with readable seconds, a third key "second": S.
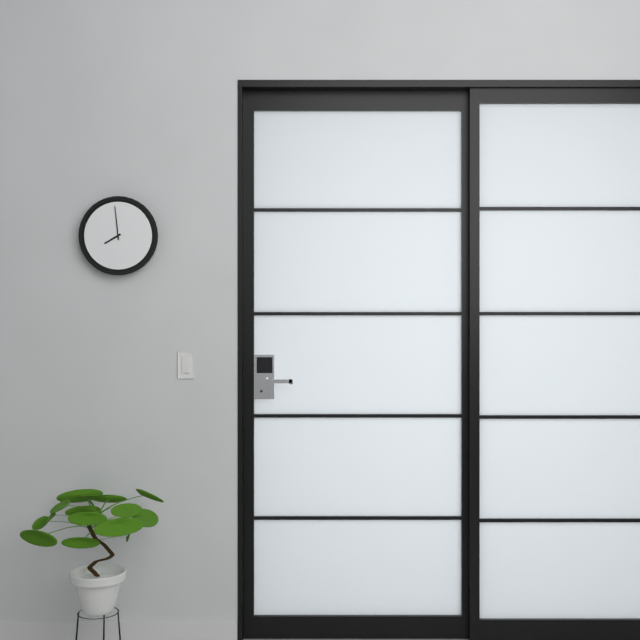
{"hour": 7, "minute": 59}
